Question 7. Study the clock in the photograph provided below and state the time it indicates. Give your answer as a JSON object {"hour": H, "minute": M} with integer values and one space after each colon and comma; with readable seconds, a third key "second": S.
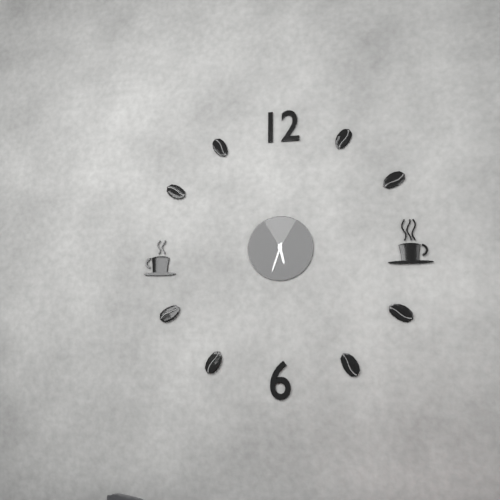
{"hour": 5, "minute": 33}
